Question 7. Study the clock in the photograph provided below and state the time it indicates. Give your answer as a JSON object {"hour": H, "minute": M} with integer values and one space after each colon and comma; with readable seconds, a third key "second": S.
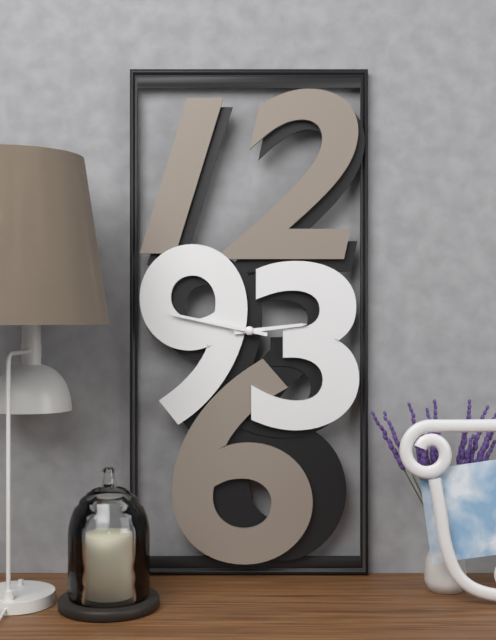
{"hour": 2, "minute": 47}
